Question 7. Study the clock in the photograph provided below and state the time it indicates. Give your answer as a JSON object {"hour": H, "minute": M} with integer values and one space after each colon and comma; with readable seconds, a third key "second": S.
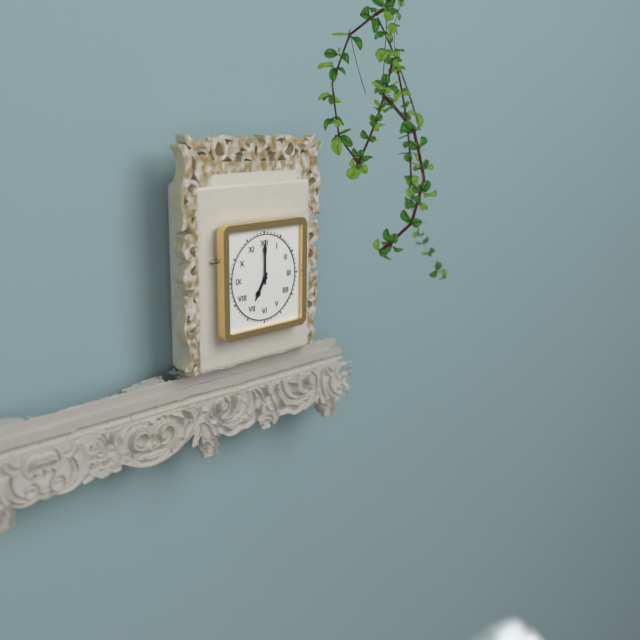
{"hour": 7, "minute": 0}
